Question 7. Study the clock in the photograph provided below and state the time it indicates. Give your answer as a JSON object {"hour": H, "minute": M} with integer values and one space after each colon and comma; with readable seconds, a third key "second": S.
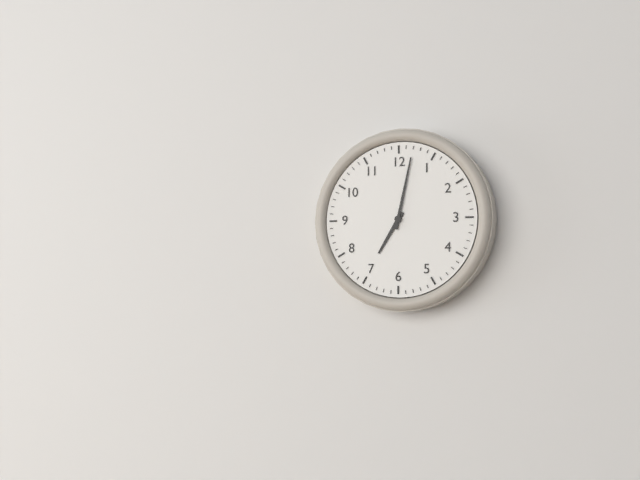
{"hour": 7, "minute": 2}
